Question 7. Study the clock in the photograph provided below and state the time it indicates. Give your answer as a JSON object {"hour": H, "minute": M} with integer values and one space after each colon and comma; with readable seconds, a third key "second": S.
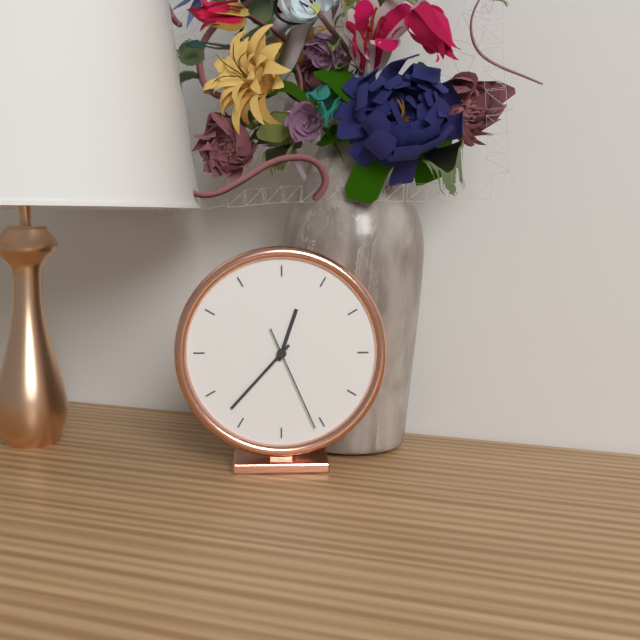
{"hour": 12, "minute": 37, "second": 26}
